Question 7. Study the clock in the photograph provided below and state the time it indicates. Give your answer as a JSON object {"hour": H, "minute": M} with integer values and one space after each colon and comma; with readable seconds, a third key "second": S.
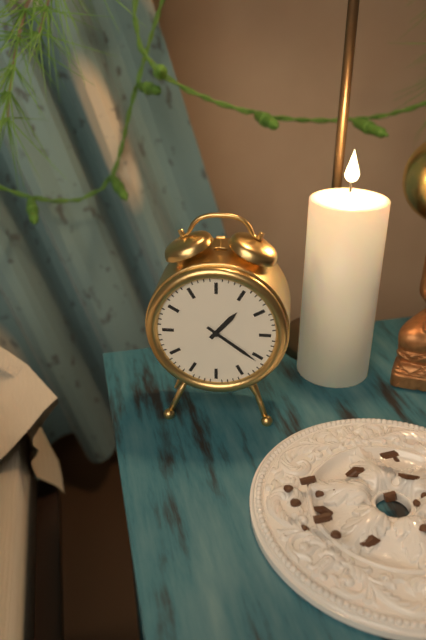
{"hour": 1, "minute": 21}
